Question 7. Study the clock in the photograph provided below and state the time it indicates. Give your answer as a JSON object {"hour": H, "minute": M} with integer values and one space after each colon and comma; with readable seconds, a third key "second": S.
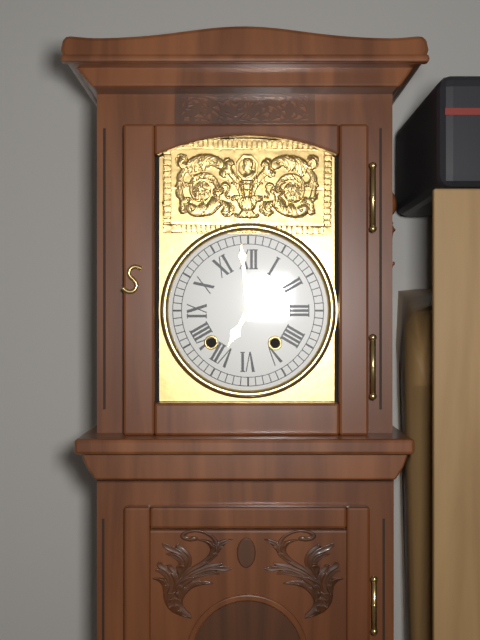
{"hour": 6, "minute": 59}
